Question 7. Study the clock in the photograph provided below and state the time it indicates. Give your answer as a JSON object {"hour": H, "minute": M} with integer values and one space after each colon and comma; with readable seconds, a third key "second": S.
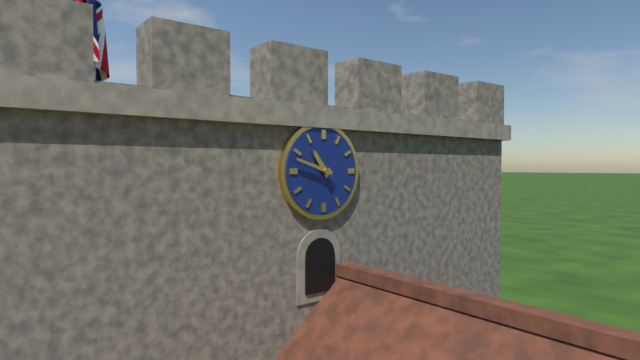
{"hour": 10, "minute": 48}
